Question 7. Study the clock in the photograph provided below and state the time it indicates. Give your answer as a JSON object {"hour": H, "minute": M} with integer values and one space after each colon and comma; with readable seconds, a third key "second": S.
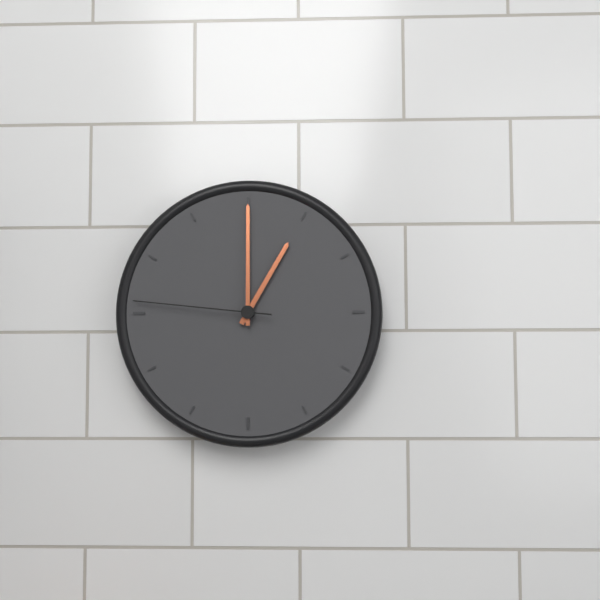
{"hour": 1, "minute": 0, "second": 46}
